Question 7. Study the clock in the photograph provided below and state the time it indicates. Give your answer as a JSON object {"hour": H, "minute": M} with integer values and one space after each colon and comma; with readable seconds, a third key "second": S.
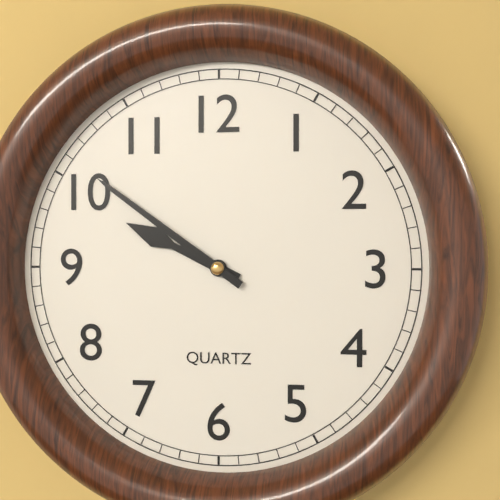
{"hour": 9, "minute": 51}
